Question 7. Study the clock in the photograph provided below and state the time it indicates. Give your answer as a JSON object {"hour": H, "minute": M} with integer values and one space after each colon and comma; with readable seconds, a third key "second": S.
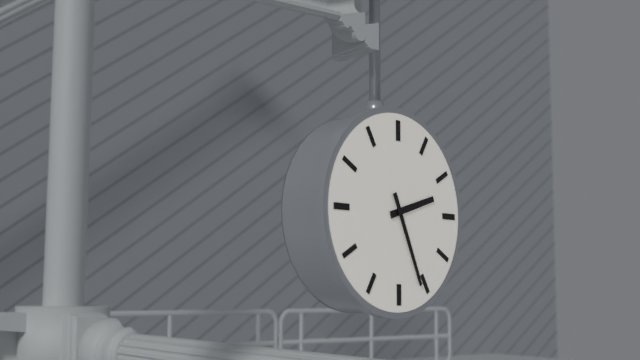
{"hour": 2, "minute": 26}
